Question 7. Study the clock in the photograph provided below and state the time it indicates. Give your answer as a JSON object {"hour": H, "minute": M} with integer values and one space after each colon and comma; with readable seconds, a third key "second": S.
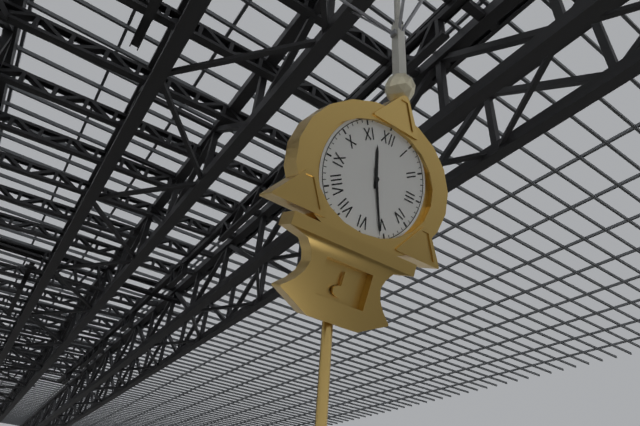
{"hour": 11, "minute": 26}
